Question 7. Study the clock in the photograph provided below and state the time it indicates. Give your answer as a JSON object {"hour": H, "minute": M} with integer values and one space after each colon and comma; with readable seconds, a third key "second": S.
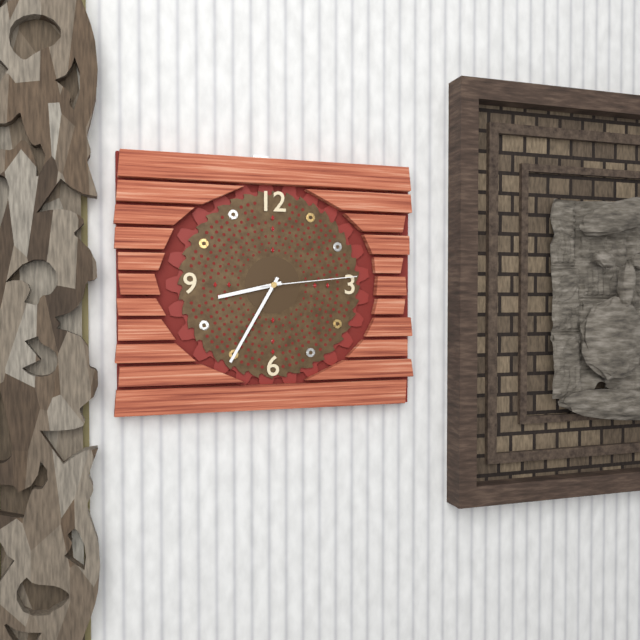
{"hour": 8, "minute": 35, "second": 14}
